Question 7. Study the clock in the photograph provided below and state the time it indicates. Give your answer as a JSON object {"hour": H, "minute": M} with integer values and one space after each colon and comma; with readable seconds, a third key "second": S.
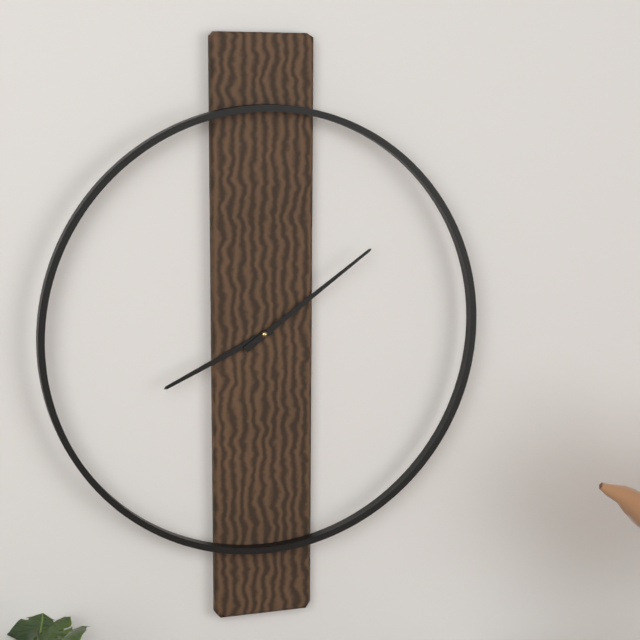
{"hour": 8, "minute": 9}
